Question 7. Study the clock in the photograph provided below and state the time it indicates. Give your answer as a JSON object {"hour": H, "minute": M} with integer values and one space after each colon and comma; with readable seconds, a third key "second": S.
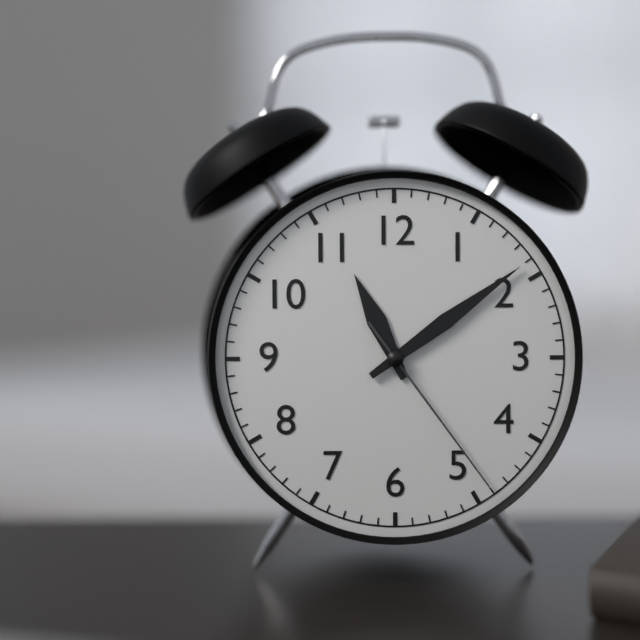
{"hour": 11, "minute": 9, "second": 24}
